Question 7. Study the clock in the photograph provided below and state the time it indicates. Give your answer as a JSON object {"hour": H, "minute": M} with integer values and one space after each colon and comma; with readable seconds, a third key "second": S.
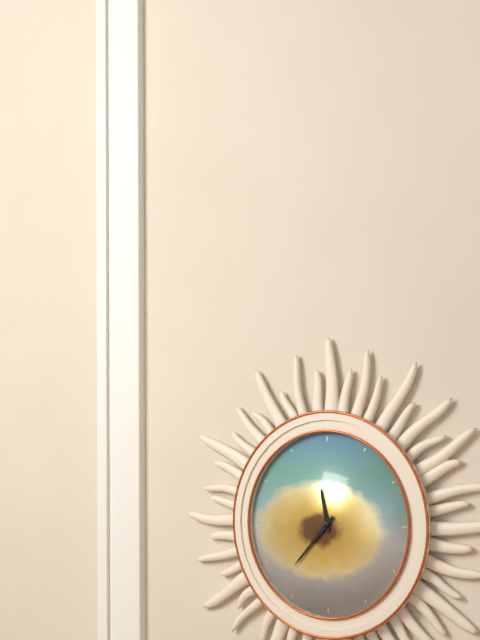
{"hour": 11, "minute": 37}
